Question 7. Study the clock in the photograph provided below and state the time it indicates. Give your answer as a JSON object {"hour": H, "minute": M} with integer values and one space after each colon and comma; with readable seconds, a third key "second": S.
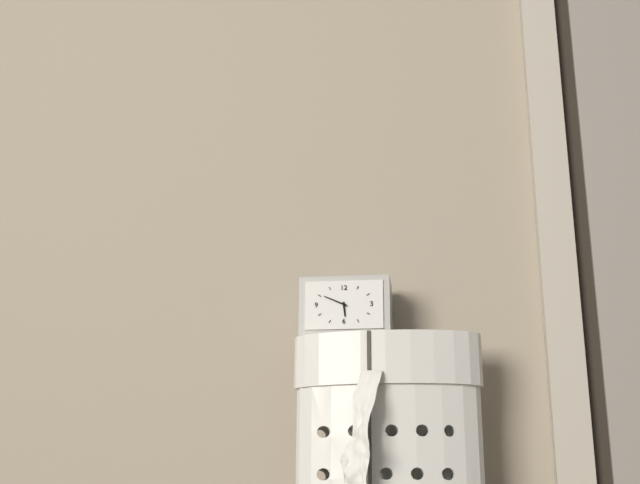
{"hour": 5, "minute": 49}
